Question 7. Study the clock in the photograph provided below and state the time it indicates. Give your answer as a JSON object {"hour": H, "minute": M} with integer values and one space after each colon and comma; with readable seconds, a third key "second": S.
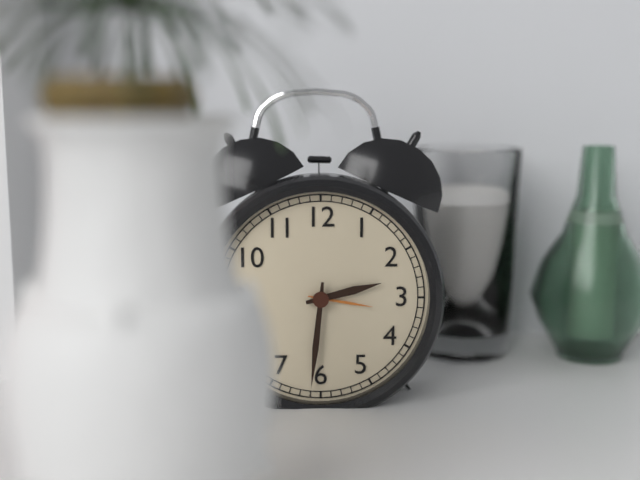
{"hour": 2, "minute": 31}
